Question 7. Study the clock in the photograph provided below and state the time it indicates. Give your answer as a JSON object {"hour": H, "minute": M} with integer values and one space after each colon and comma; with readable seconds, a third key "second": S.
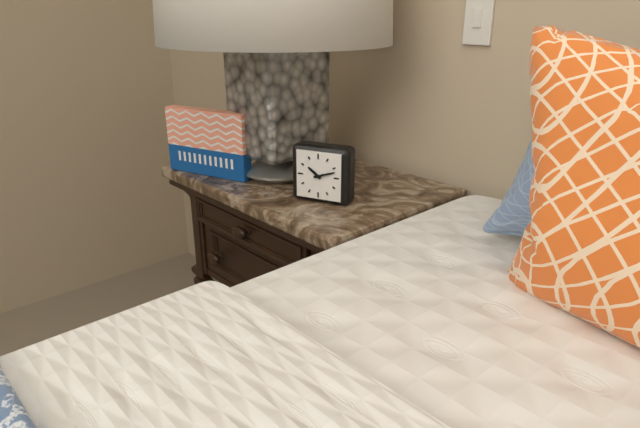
{"hour": 10, "minute": 12}
